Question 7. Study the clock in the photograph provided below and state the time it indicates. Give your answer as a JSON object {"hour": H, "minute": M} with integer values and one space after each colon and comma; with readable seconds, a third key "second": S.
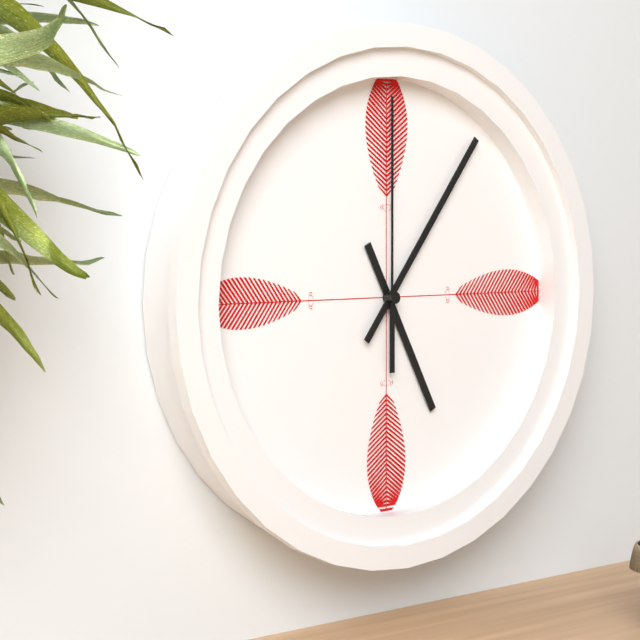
{"hour": 5, "minute": 6, "second": 0}
